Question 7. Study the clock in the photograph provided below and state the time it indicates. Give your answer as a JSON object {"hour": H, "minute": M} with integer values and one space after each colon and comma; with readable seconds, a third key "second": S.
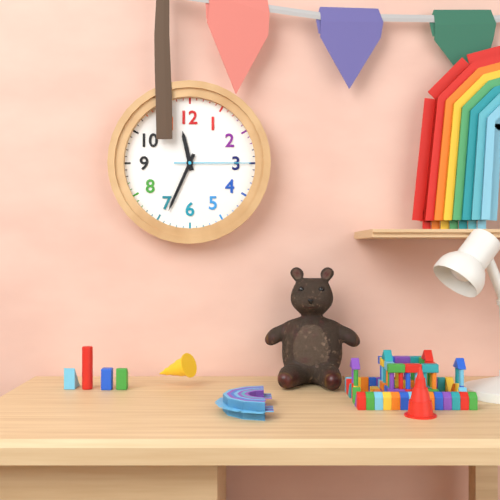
{"hour": 11, "minute": 34, "second": 15}
